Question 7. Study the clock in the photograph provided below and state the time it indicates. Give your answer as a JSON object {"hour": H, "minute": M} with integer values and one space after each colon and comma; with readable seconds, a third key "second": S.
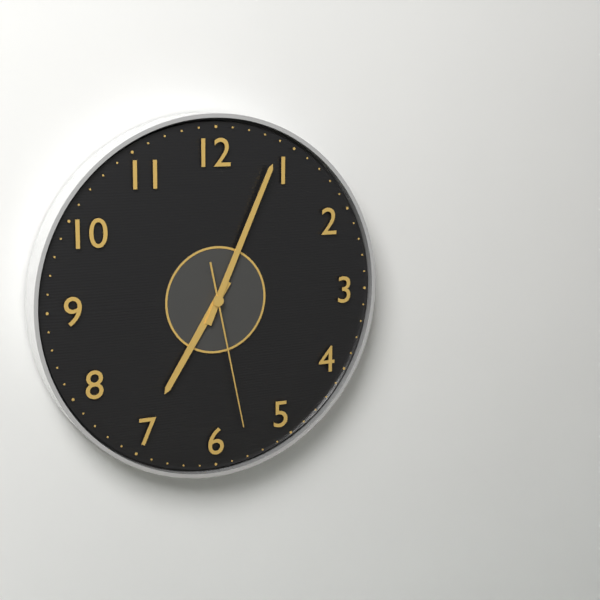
{"hour": 7, "minute": 4, "second": 28}
